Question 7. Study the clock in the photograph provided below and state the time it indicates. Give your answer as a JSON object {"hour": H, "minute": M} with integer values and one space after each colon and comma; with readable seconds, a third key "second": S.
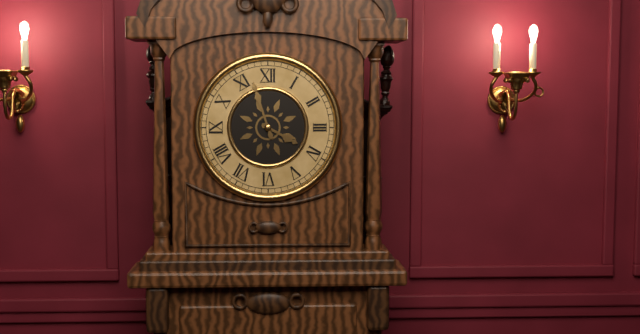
{"hour": 3, "minute": 57}
